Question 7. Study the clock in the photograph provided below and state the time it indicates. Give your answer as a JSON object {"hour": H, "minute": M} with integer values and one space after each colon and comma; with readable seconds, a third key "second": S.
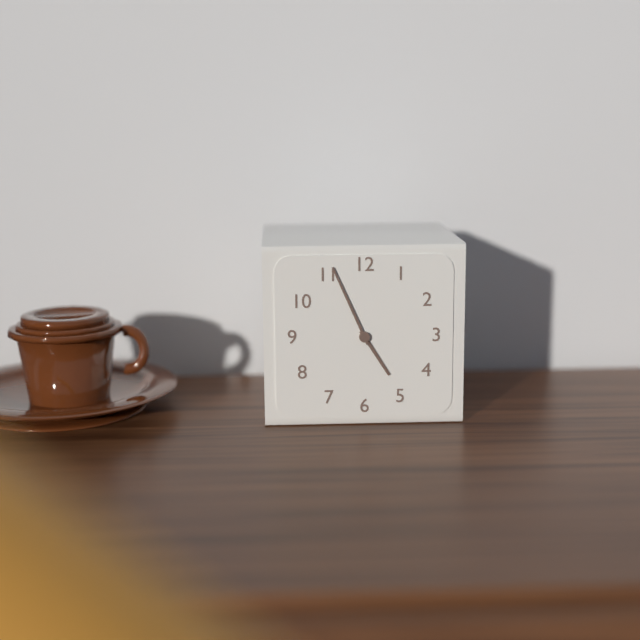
{"hour": 4, "minute": 56}
